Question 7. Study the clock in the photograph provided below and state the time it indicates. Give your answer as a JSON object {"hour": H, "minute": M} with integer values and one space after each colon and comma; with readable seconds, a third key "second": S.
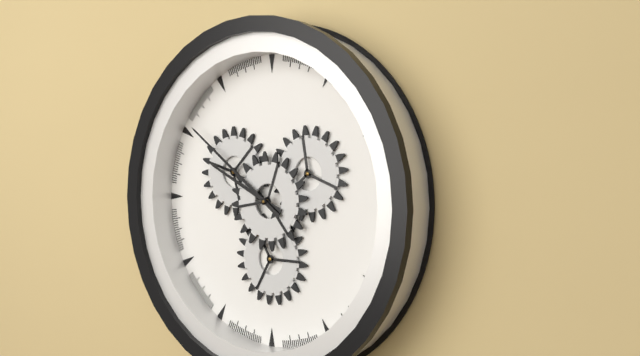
{"hour": 9, "minute": 51}
